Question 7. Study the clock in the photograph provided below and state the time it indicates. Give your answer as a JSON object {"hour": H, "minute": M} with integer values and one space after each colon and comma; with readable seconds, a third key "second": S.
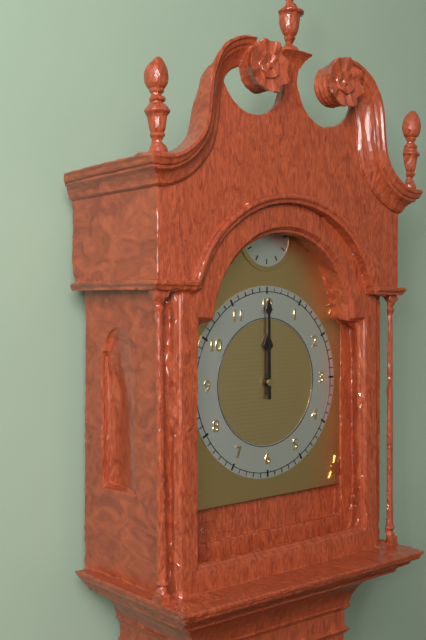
{"hour": 12, "minute": 0}
